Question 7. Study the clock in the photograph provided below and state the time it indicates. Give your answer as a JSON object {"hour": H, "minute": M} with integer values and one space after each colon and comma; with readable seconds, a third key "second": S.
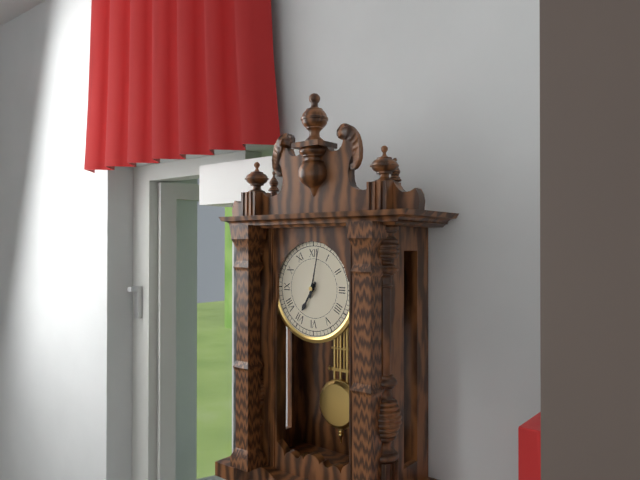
{"hour": 7, "minute": 2}
